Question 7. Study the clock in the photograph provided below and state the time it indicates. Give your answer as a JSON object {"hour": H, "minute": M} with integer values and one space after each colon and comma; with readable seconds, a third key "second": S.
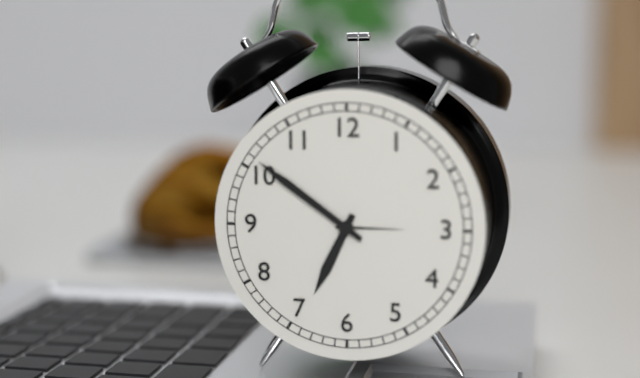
{"hour": 6, "minute": 51}
